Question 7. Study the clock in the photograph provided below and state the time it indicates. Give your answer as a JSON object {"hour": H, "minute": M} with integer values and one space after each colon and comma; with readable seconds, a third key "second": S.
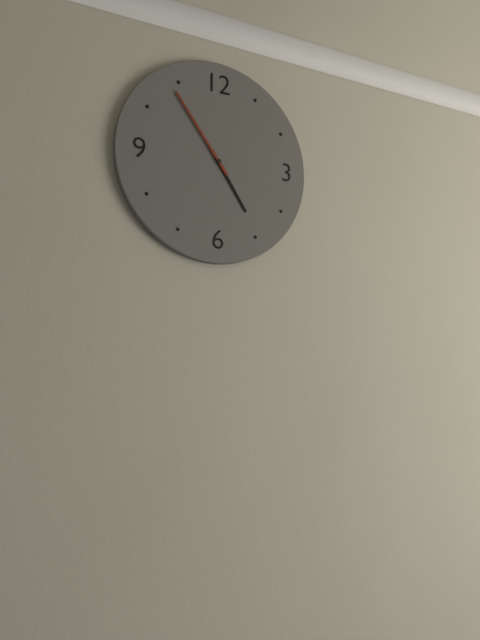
{"hour": 4, "minute": 54}
